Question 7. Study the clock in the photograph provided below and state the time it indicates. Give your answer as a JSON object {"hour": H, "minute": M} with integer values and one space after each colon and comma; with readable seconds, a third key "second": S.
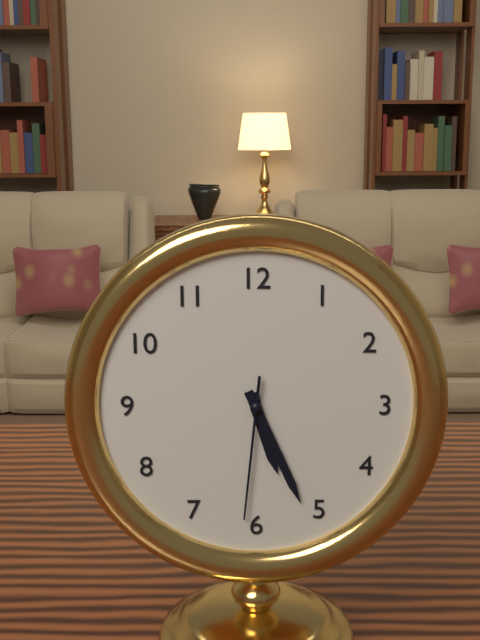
{"hour": 5, "minute": 26, "second": 31}
